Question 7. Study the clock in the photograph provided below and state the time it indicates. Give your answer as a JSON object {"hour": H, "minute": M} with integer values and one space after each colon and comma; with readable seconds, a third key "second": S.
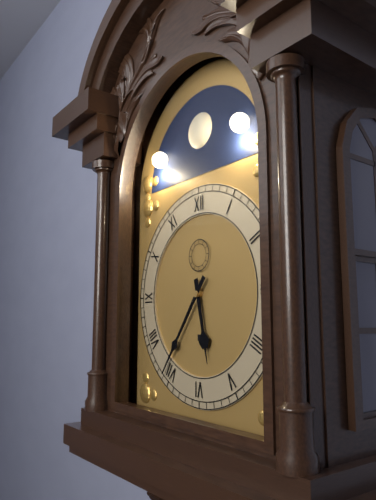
{"hour": 5, "minute": 36}
